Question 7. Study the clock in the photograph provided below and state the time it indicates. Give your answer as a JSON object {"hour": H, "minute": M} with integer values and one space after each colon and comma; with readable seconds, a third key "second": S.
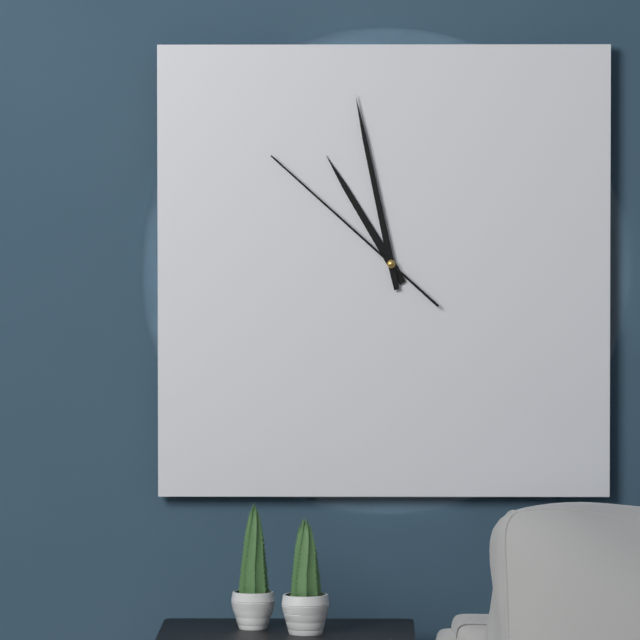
{"hour": 10, "minute": 58, "second": 52}
